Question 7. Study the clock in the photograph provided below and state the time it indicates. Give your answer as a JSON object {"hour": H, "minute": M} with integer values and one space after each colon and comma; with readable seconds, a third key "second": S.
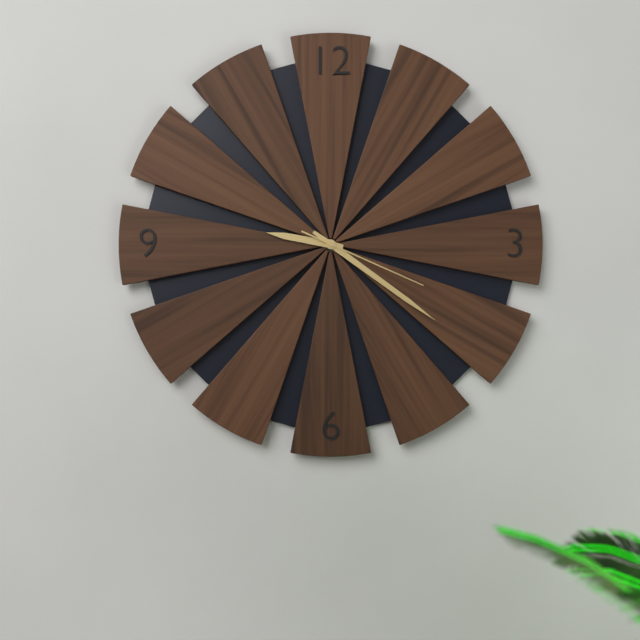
{"hour": 9, "minute": 21, "second": 19}
